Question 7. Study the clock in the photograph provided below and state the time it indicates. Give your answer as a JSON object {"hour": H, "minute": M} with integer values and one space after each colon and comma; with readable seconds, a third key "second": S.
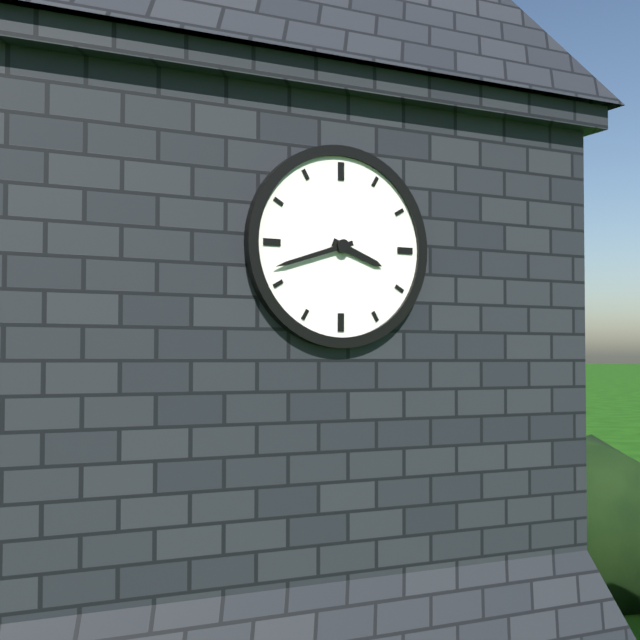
{"hour": 3, "minute": 42}
